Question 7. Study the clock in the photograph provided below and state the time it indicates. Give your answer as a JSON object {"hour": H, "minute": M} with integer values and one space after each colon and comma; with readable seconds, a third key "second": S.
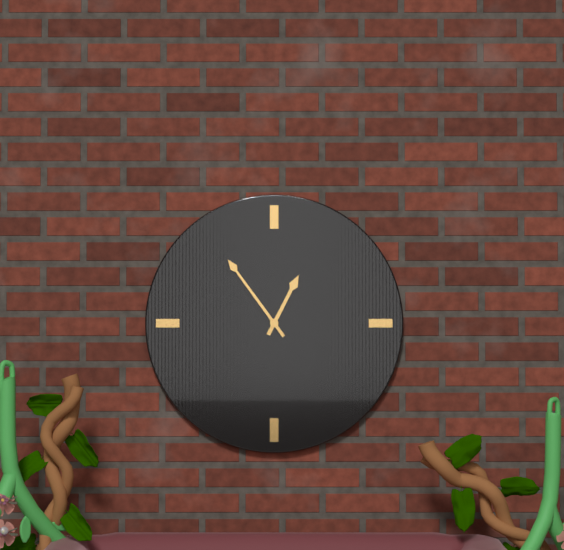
{"hour": 12, "minute": 54}
